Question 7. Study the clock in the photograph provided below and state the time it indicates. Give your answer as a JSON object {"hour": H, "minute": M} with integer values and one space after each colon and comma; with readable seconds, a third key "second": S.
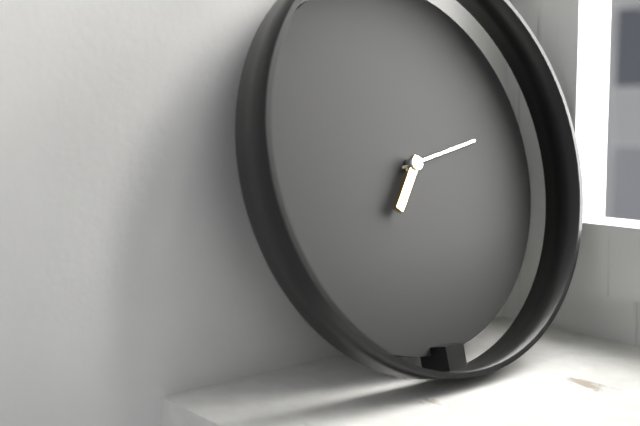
{"hour": 7, "minute": 13}
